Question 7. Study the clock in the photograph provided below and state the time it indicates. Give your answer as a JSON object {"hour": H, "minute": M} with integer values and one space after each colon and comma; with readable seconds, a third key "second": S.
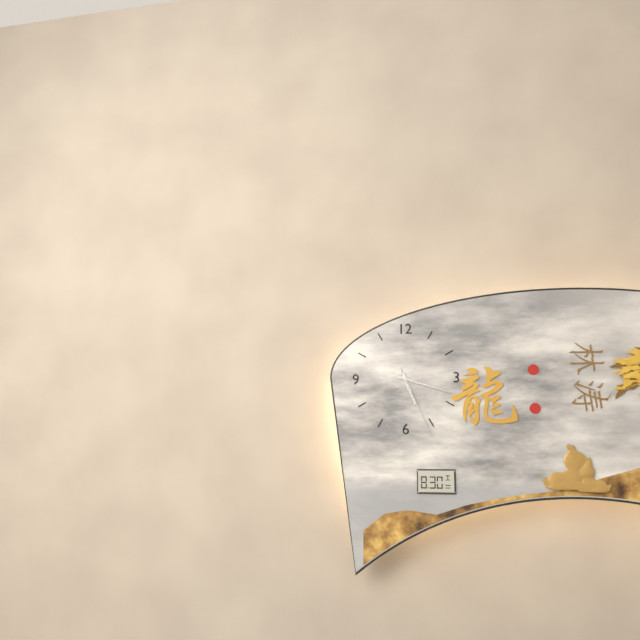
{"hour": 5, "minute": 18, "second": 26}
